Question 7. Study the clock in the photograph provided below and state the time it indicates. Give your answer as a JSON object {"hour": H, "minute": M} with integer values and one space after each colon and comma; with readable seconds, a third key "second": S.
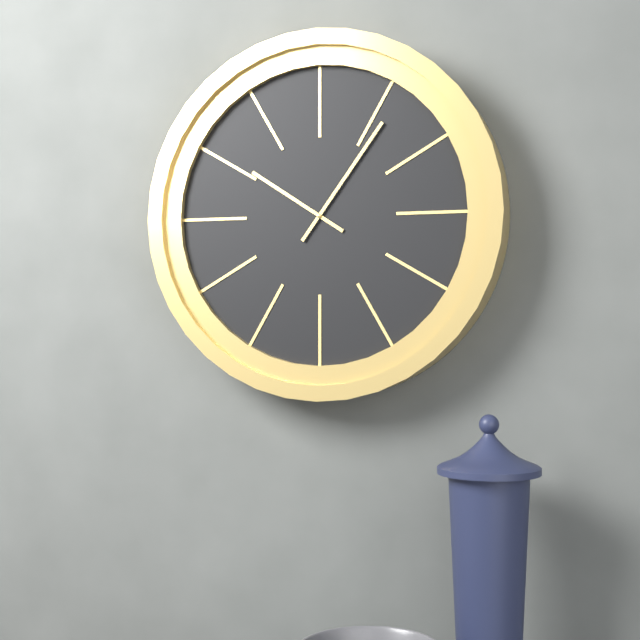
{"hour": 10, "minute": 6}
